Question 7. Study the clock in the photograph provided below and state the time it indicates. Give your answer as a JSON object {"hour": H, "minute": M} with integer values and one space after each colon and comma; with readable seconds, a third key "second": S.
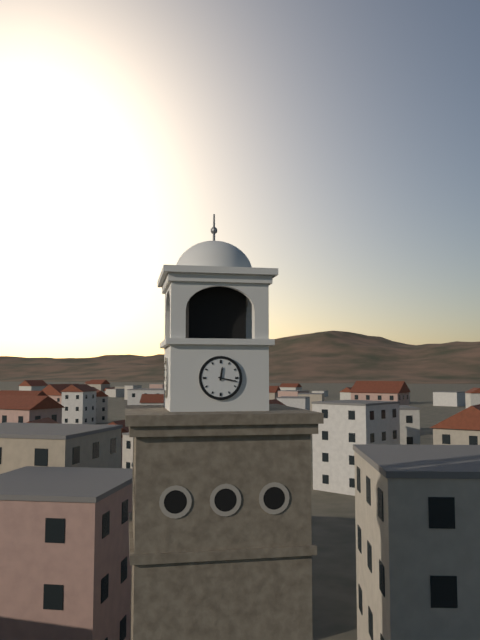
{"hour": 12, "minute": 17}
